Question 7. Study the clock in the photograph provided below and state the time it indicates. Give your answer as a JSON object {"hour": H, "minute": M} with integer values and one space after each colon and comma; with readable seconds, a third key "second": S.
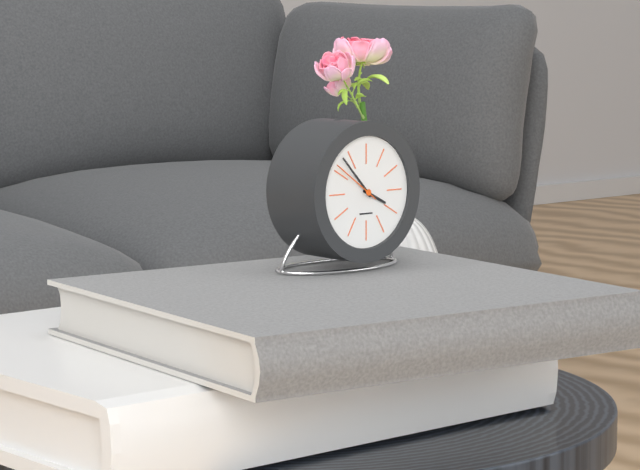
{"hour": 3, "minute": 53, "second": 51}
